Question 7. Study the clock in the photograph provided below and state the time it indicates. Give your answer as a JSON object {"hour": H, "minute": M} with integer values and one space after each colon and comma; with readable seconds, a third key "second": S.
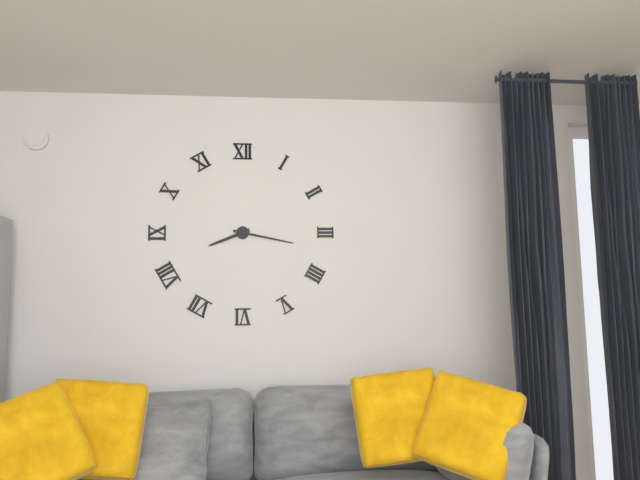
{"hour": 8, "minute": 17}
